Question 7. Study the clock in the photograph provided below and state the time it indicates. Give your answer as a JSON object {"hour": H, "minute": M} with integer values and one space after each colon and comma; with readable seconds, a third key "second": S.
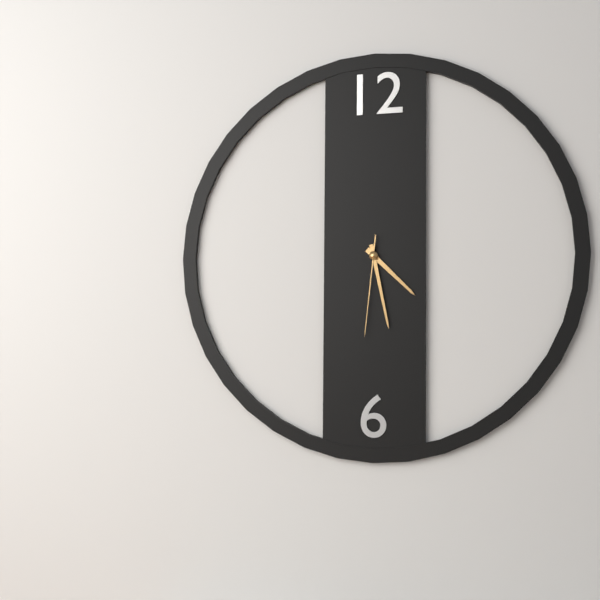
{"hour": 4, "minute": 28, "second": 31}
